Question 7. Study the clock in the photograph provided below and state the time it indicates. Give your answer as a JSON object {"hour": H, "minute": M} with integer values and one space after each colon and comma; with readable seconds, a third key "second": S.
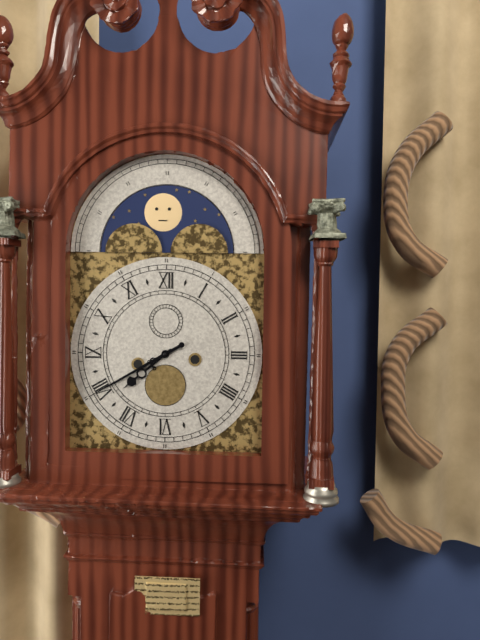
{"hour": 7, "minute": 40}
